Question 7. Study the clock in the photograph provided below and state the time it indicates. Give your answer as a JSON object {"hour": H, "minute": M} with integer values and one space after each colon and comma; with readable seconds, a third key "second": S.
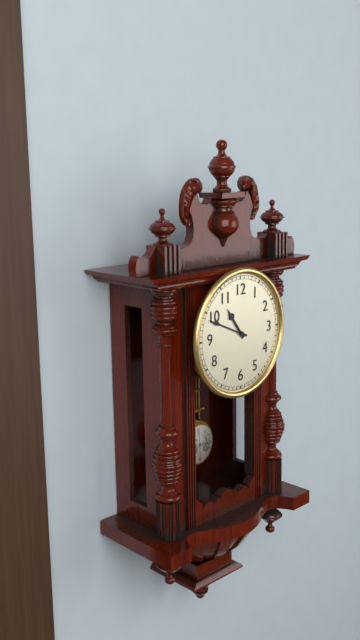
{"hour": 10, "minute": 49}
